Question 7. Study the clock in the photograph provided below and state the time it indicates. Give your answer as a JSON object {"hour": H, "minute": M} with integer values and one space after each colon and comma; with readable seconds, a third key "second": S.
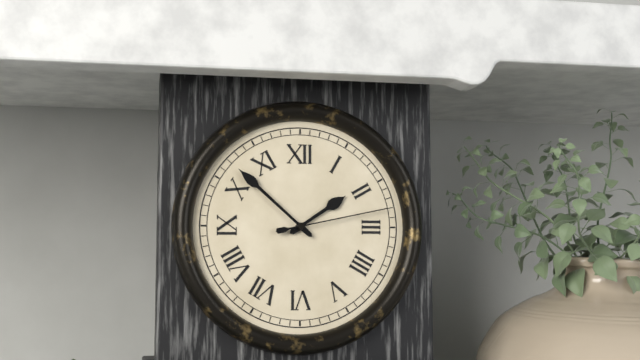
{"hour": 1, "minute": 52, "second": 13}
